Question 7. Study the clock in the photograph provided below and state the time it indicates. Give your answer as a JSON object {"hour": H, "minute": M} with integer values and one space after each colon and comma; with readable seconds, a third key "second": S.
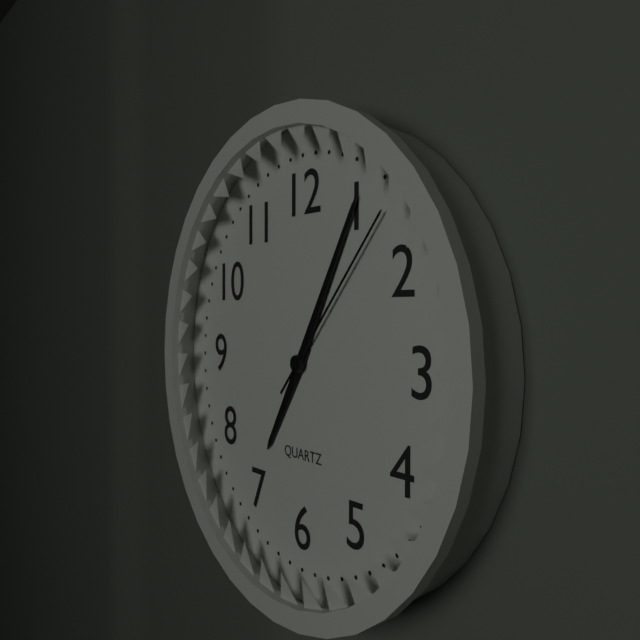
{"hour": 7, "minute": 5, "second": 7}
